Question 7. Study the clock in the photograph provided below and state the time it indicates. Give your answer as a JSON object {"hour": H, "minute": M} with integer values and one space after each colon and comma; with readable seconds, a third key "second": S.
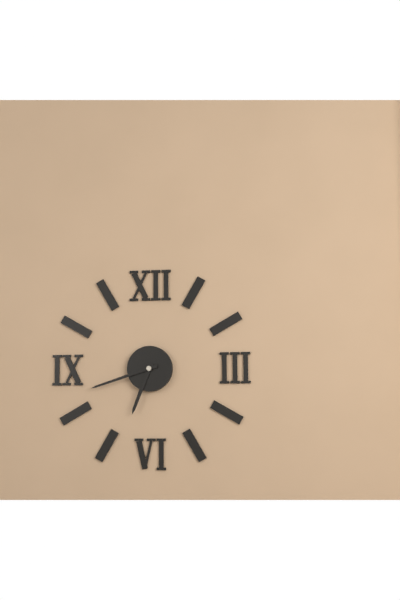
{"hour": 6, "minute": 42}
